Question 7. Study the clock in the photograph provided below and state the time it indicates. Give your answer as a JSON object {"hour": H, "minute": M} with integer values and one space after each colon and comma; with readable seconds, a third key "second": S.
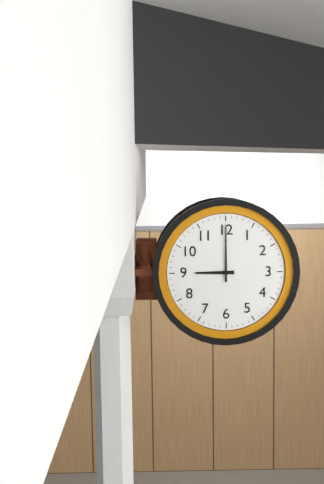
{"hour": 9, "minute": 0}
